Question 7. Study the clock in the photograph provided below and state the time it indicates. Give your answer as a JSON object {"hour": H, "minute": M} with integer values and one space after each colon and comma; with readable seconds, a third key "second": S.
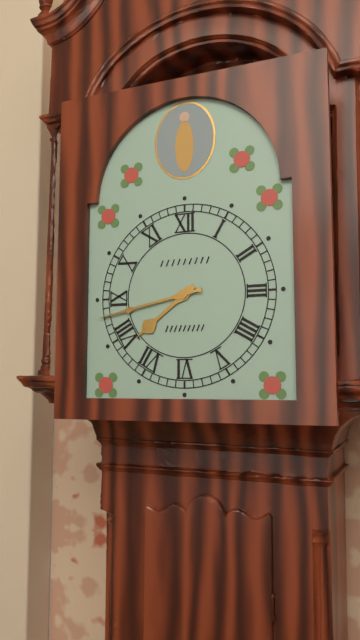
{"hour": 7, "minute": 43}
